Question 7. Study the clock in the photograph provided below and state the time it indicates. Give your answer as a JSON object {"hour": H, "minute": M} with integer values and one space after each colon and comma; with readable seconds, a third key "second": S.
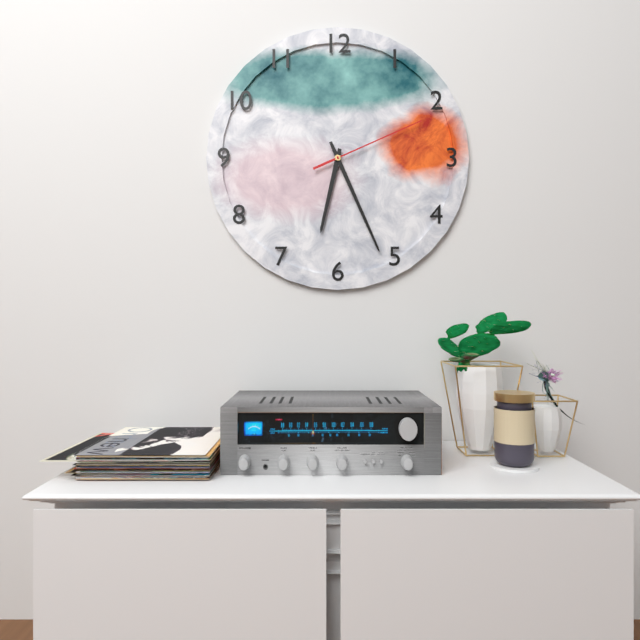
{"hour": 6, "minute": 26, "second": 11}
